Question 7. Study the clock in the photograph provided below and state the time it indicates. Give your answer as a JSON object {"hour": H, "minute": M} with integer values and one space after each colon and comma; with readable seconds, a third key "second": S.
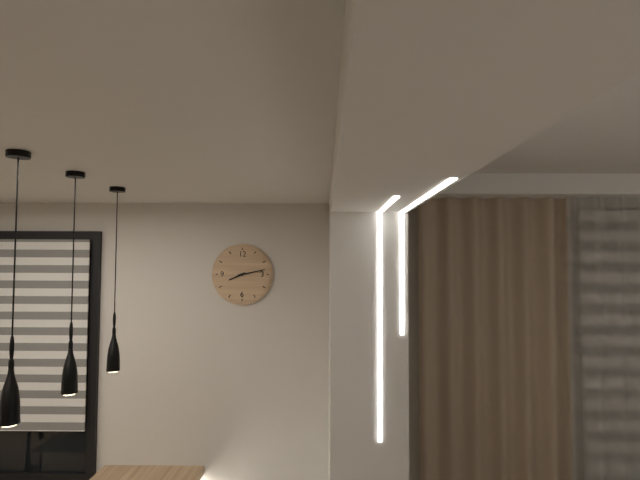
{"hour": 8, "minute": 13}
